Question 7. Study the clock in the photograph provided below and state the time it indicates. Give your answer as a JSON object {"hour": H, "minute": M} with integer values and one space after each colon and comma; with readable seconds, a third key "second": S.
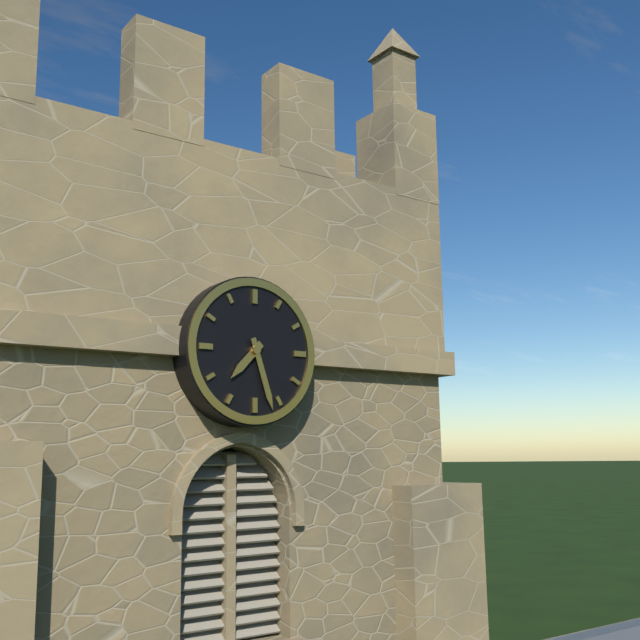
{"hour": 7, "minute": 27}
